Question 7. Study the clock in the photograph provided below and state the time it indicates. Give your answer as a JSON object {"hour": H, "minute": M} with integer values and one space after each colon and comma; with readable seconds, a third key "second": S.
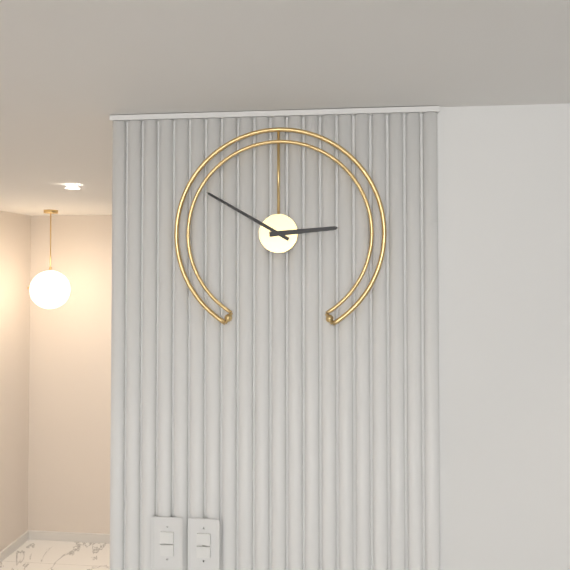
{"hour": 2, "minute": 50}
